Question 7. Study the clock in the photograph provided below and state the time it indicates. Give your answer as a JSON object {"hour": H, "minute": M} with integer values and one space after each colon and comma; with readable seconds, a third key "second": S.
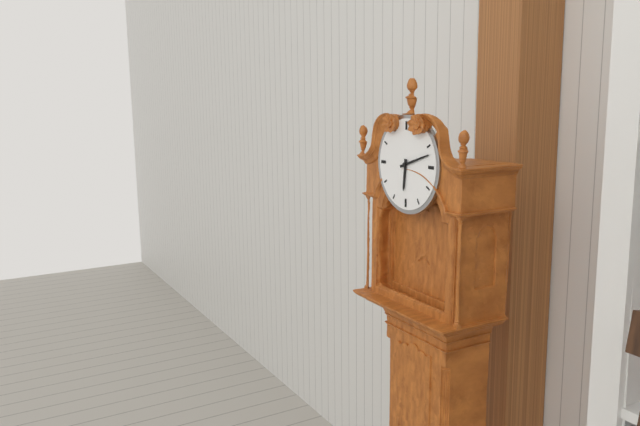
{"hour": 6, "minute": 12}
